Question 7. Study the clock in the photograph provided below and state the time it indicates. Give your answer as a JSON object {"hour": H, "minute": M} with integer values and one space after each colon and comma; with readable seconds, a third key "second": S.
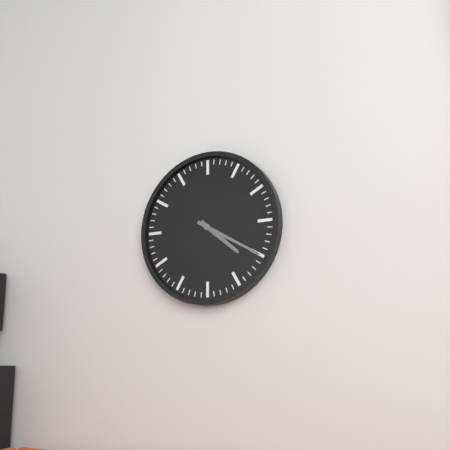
{"hour": 4, "minute": 20}
